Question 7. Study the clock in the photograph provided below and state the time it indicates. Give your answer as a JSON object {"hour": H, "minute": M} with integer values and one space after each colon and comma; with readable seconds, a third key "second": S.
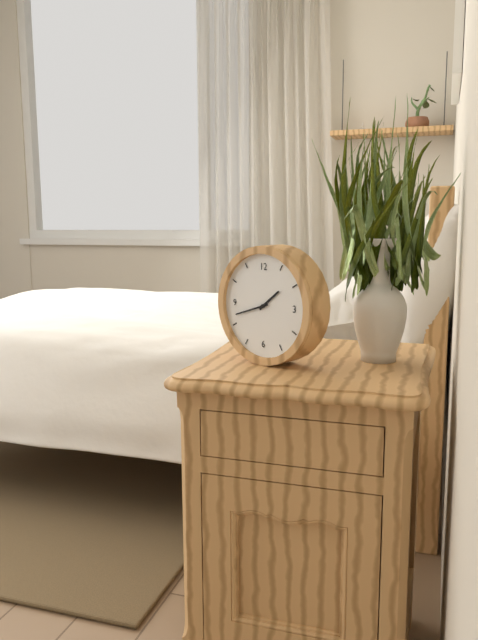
{"hour": 1, "minute": 42}
